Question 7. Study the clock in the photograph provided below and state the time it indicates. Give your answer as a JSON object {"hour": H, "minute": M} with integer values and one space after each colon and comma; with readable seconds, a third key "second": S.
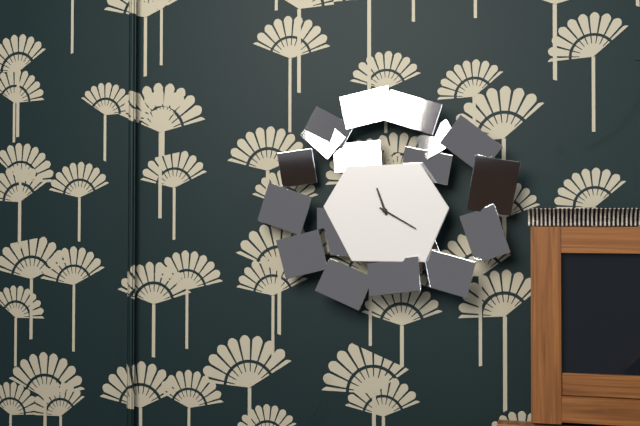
{"hour": 11, "minute": 20}
